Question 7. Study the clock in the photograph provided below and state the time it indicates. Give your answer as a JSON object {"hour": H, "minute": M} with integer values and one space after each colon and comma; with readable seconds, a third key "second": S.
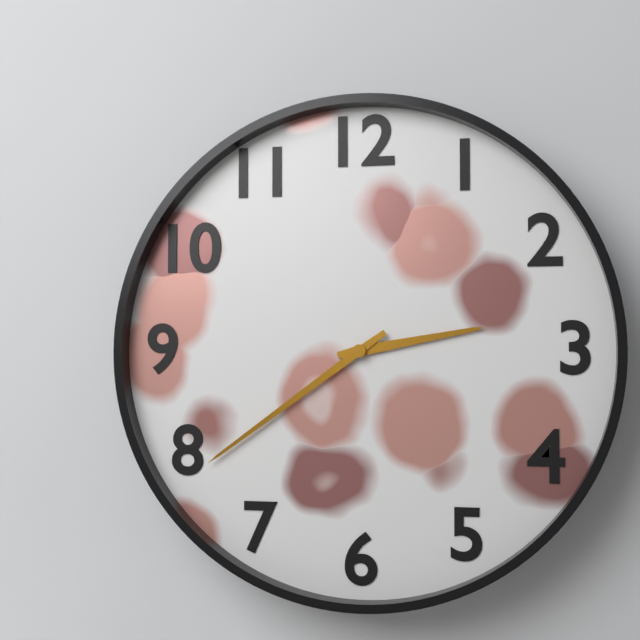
{"hour": 2, "minute": 39}
